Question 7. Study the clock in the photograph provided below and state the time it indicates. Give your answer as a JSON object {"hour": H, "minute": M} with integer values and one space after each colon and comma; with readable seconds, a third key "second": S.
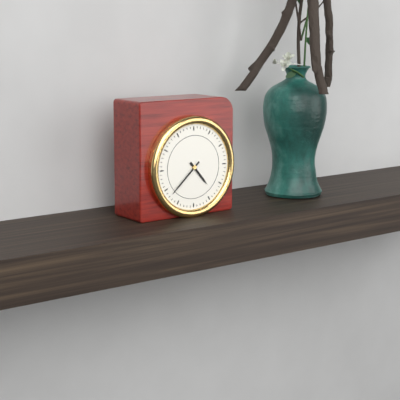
{"hour": 4, "minute": 38}
